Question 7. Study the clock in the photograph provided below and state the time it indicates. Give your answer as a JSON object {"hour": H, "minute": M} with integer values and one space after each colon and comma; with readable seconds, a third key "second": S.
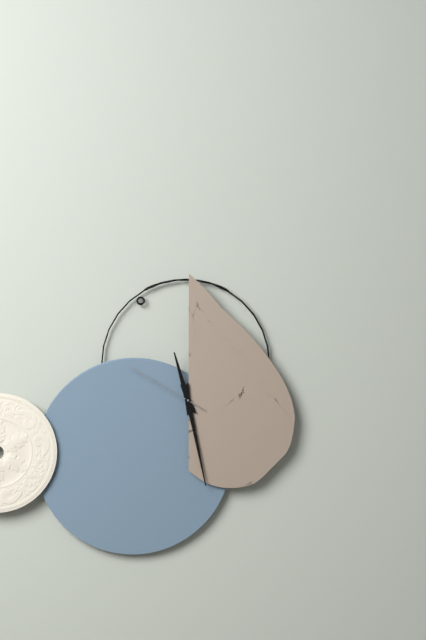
{"hour": 11, "minute": 28, "second": 50}
